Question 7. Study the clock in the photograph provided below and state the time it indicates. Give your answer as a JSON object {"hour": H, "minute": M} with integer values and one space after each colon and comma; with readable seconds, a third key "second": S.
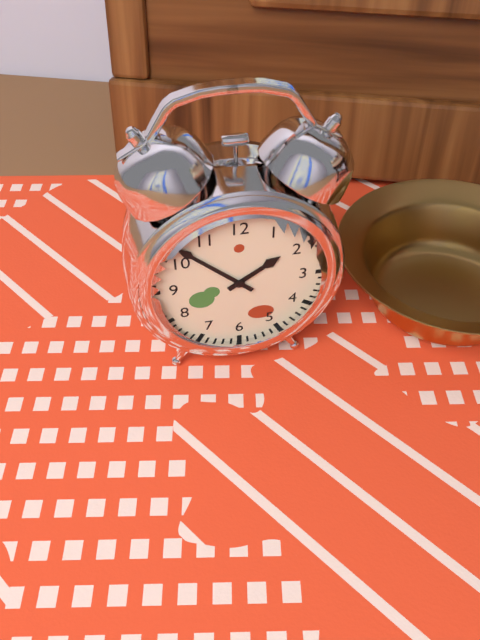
{"hour": 1, "minute": 52}
